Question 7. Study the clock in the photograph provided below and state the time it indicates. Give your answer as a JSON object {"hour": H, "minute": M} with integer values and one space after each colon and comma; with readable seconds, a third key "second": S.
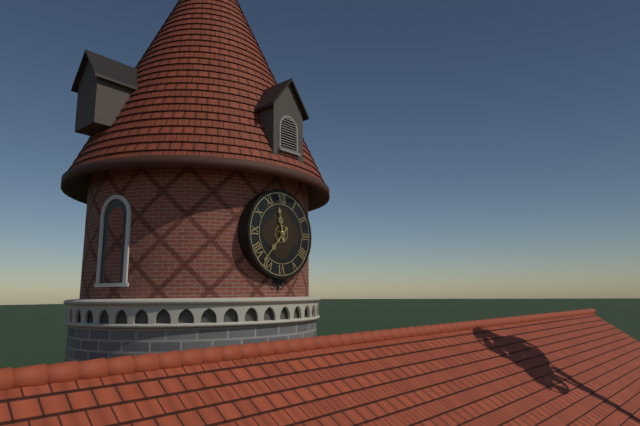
{"hour": 11, "minute": 37}
